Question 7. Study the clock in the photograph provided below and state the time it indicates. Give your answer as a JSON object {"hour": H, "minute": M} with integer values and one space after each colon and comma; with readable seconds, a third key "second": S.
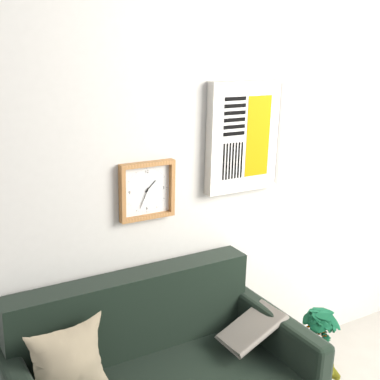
{"hour": 1, "minute": 34}
